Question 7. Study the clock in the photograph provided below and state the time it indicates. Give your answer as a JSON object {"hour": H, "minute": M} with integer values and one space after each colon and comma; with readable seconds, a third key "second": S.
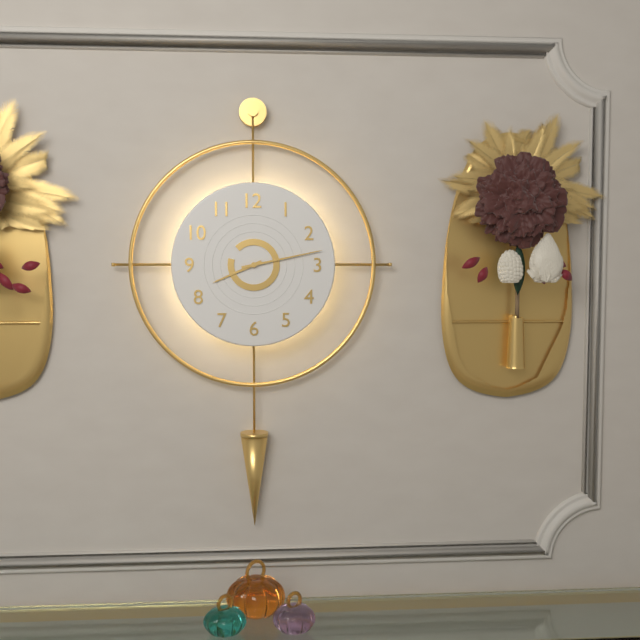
{"hour": 8, "minute": 13}
